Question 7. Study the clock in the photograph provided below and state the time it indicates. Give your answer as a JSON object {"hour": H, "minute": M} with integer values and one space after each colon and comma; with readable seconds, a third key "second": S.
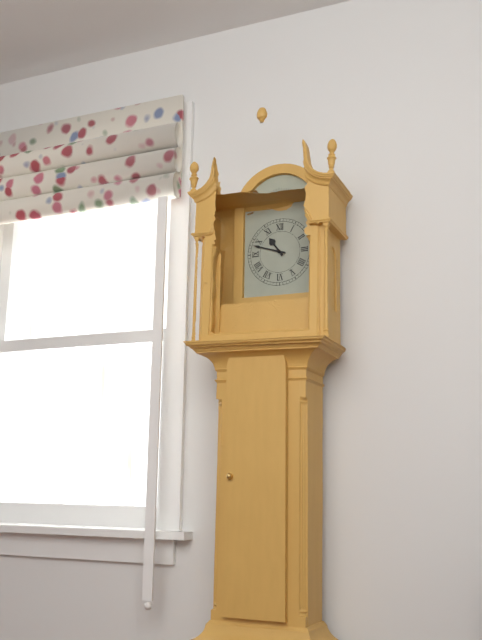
{"hour": 10, "minute": 48}
